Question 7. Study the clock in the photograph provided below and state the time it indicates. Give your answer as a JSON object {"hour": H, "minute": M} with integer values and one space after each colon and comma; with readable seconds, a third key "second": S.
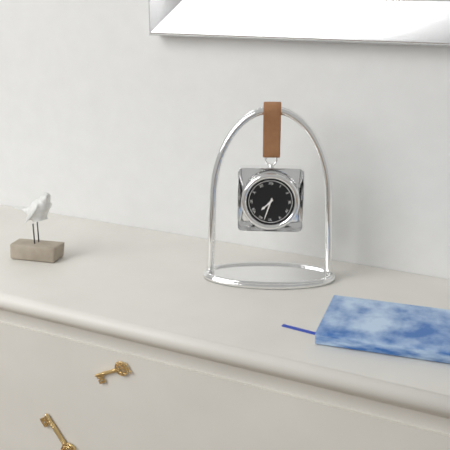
{"hour": 7, "minute": 33}
